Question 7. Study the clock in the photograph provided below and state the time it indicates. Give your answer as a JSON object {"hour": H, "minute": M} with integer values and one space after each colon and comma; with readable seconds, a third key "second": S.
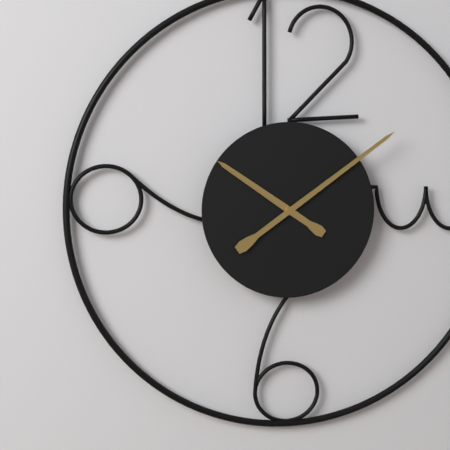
{"hour": 10, "minute": 9}
